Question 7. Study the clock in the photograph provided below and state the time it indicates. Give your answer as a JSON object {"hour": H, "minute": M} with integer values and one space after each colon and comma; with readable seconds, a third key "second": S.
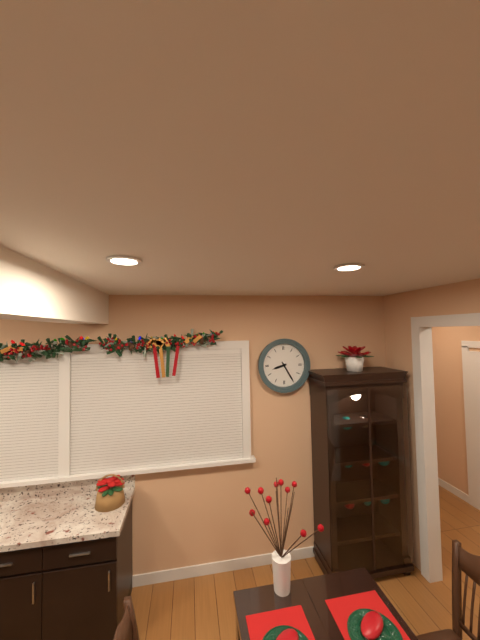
{"hour": 8, "minute": 25}
